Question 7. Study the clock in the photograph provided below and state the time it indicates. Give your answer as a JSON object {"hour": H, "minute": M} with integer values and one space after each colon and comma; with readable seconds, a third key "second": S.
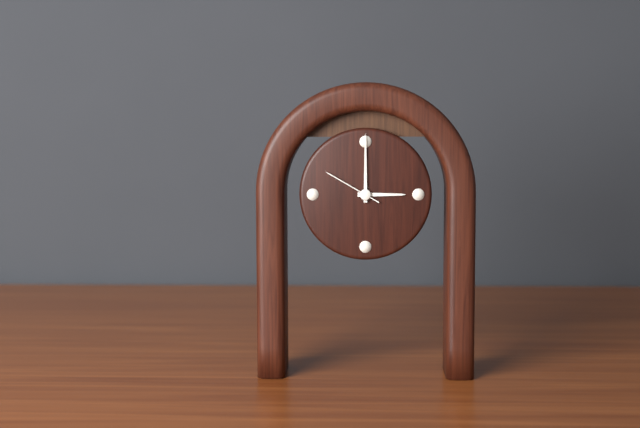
{"hour": 3, "minute": 0, "second": 50}
